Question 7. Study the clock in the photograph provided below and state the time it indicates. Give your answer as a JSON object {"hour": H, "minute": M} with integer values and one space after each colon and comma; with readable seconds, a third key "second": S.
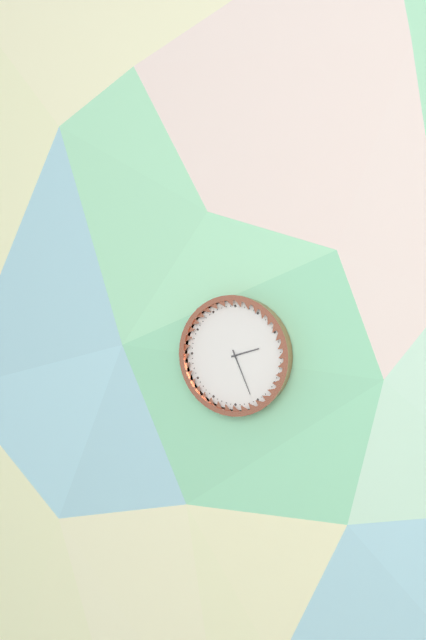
{"hour": 2, "minute": 26}
